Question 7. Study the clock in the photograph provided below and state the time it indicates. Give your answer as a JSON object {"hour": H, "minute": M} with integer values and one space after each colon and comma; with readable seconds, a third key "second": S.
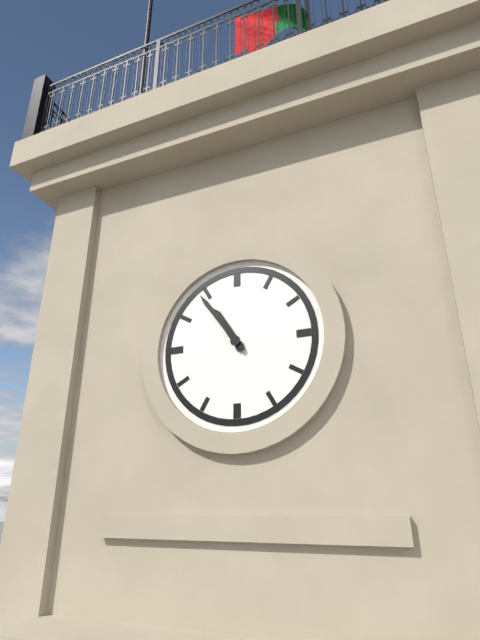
{"hour": 10, "minute": 54}
